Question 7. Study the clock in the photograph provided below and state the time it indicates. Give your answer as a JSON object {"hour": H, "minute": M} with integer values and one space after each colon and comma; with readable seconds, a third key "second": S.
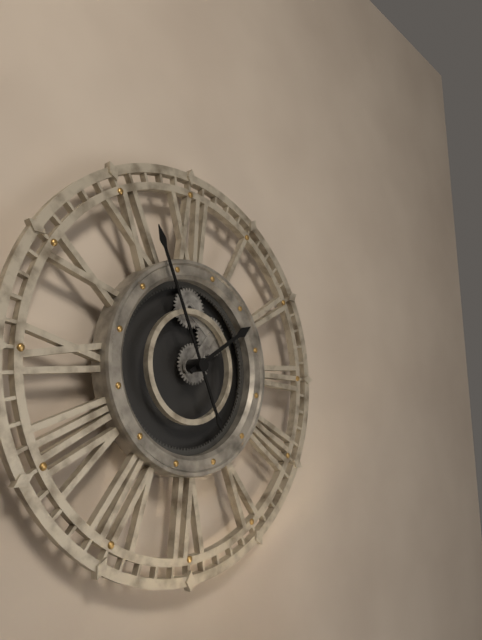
{"hour": 1, "minute": 56}
